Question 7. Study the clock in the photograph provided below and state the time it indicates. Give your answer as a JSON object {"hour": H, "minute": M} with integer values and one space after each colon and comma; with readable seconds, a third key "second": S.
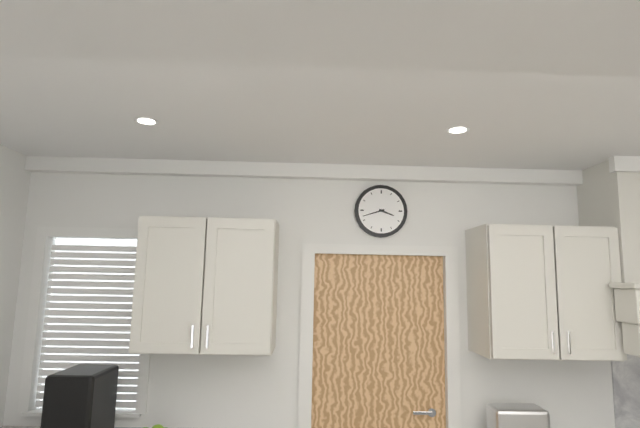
{"hour": 3, "minute": 42}
